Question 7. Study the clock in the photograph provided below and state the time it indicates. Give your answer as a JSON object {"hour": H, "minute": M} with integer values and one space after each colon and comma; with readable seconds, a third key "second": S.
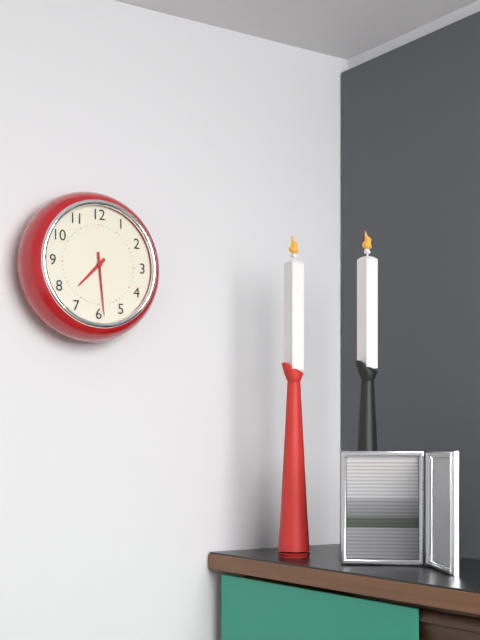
{"hour": 7, "minute": 29}
